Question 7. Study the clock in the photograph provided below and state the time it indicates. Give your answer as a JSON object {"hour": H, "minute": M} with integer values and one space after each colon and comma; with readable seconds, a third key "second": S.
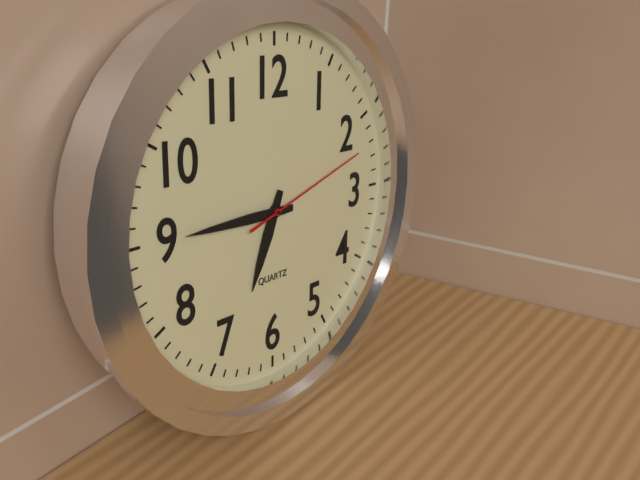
{"hour": 6, "minute": 45, "second": 12}
